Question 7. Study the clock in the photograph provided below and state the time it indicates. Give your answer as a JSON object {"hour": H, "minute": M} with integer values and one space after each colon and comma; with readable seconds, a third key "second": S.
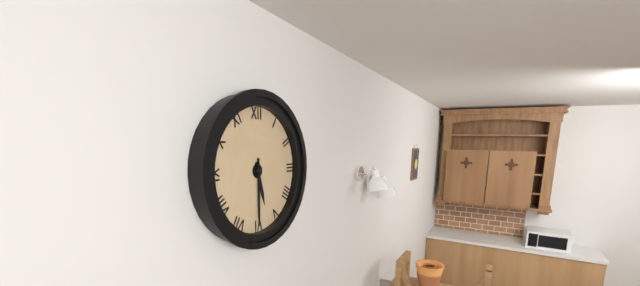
{"hour": 5, "minute": 30}
